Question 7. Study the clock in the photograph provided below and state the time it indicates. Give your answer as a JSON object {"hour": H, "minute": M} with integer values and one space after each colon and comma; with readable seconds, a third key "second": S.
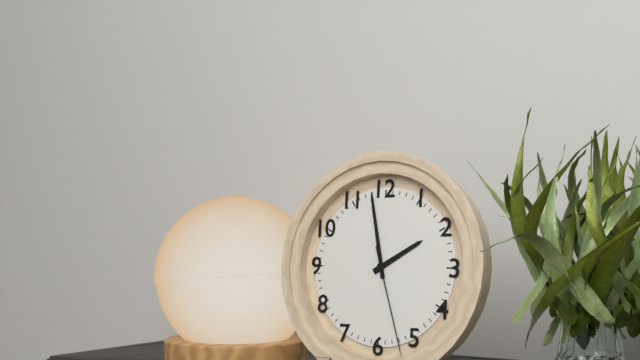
{"hour": 1, "minute": 58, "second": 27}
